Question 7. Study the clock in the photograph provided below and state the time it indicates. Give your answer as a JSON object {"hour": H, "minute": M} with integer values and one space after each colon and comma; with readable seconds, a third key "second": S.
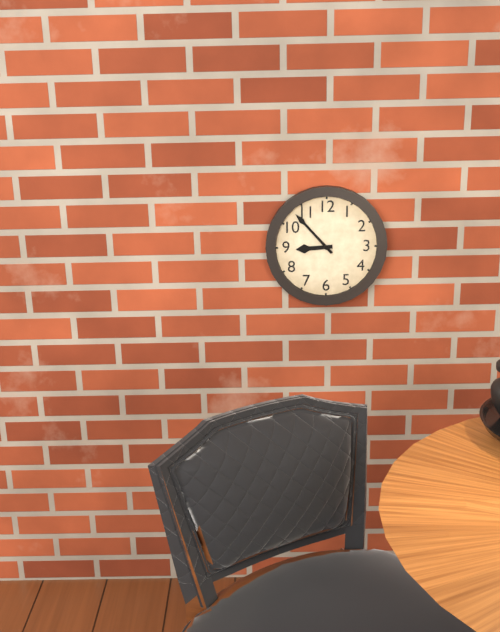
{"hour": 8, "minute": 53}
